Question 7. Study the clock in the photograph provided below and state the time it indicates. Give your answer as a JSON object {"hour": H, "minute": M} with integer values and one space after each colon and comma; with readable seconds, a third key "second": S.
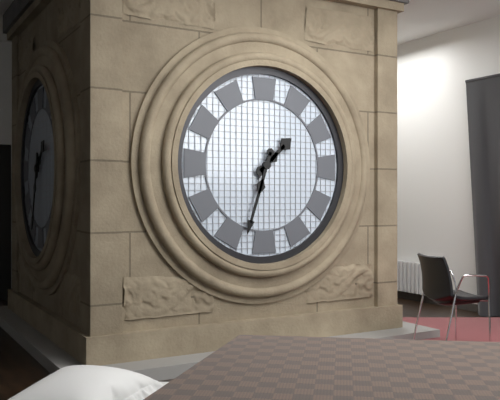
{"hour": 1, "minute": 33}
